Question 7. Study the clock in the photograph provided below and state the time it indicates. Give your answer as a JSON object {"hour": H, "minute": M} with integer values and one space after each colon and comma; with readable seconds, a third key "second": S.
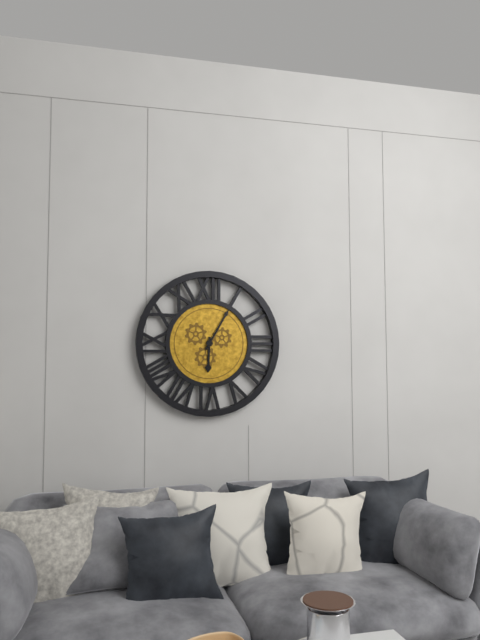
{"hour": 6, "minute": 5}
